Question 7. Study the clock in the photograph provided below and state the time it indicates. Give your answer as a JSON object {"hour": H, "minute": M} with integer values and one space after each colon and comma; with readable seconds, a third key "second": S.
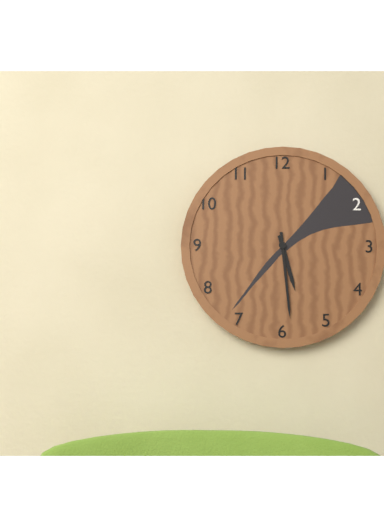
{"hour": 5, "minute": 29}
